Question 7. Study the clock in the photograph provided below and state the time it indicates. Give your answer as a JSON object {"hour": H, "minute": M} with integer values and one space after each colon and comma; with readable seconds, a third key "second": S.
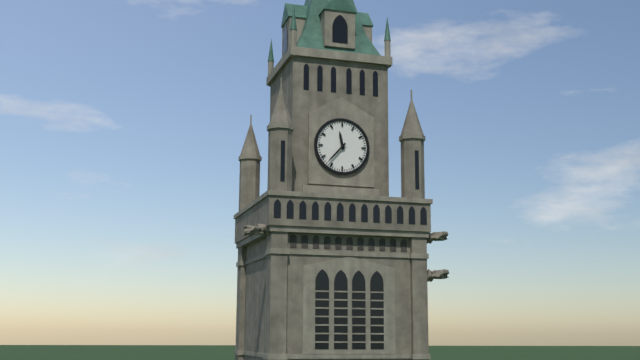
{"hour": 11, "minute": 37}
